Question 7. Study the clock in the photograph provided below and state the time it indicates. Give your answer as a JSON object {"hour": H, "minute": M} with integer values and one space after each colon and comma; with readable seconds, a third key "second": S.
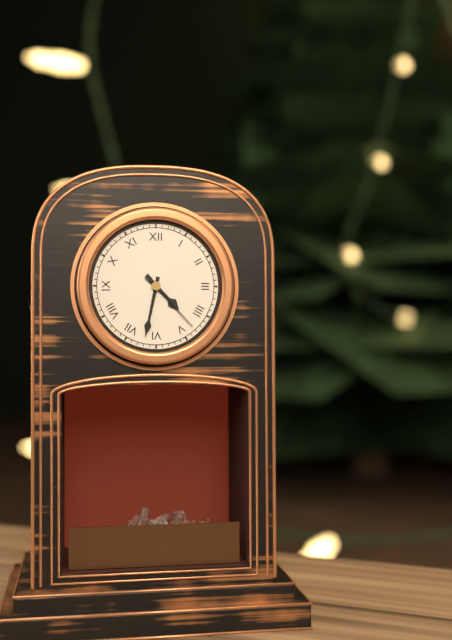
{"hour": 4, "minute": 32, "second": 23}
